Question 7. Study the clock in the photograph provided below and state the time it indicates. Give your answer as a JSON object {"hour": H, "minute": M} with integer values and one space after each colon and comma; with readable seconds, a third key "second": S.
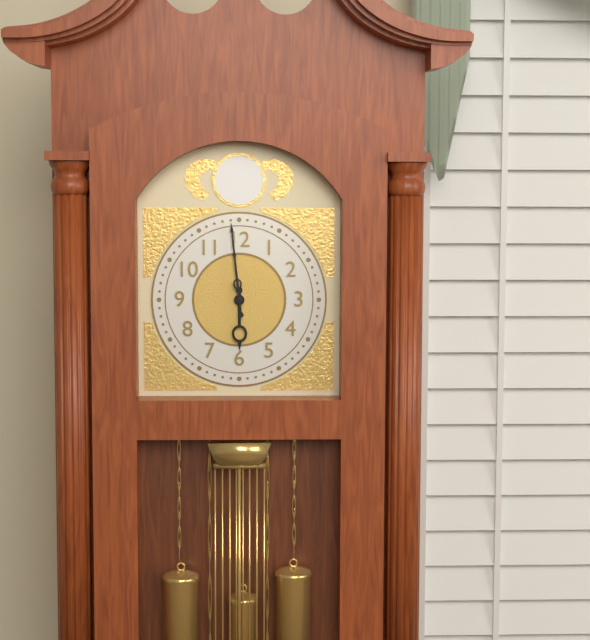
{"hour": 5, "minute": 59}
